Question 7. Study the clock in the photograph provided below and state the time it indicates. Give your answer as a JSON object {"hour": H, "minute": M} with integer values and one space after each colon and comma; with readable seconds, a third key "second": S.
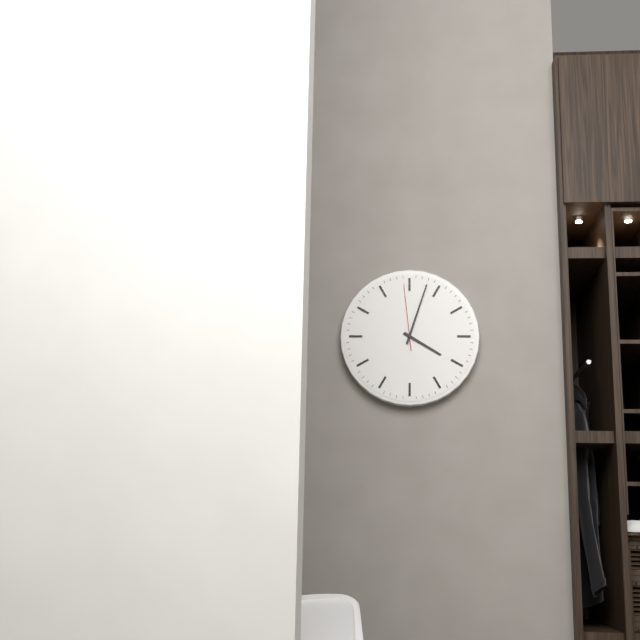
{"hour": 4, "minute": 3, "second": 59}
